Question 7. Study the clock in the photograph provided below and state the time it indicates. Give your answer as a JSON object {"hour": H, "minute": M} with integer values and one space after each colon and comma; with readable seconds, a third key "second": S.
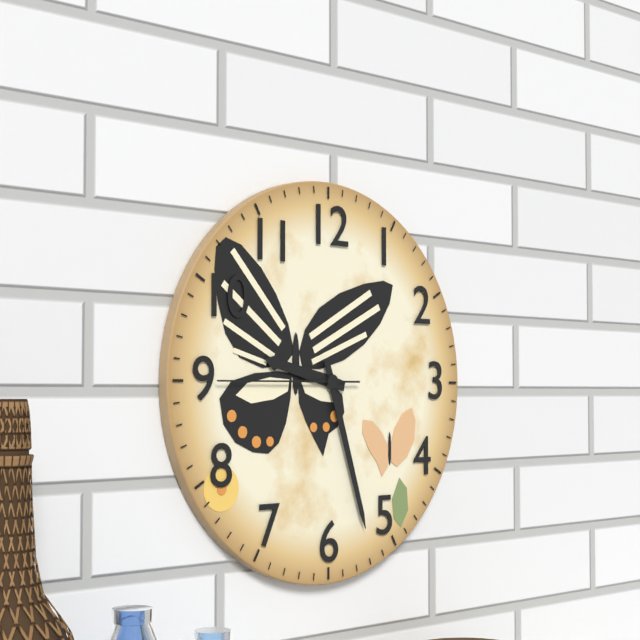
{"hour": 9, "minute": 27, "second": 45}
